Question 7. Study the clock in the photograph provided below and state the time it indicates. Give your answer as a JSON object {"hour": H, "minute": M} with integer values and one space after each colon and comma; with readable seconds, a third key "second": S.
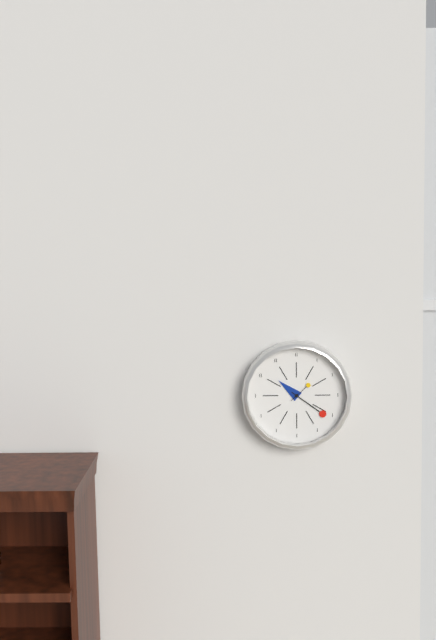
{"hour": 10, "minute": 21}
